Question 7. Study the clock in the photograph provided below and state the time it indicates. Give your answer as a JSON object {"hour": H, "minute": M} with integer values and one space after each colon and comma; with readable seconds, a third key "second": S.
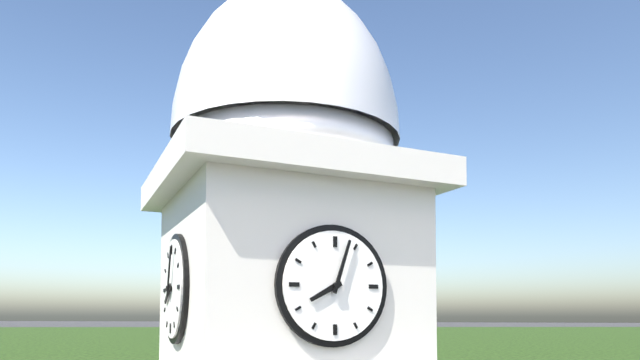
{"hour": 8, "minute": 3}
